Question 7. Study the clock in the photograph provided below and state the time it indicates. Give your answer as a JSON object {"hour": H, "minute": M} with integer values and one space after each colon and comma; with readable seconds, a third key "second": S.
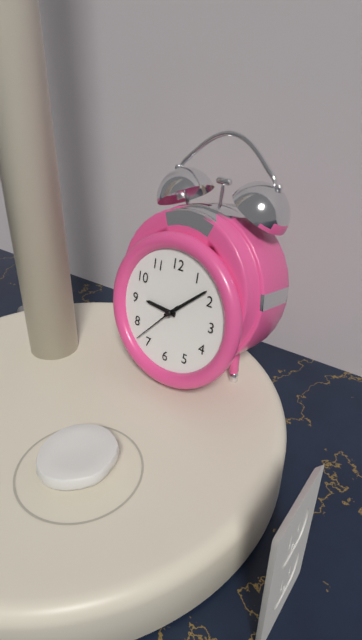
{"hour": 9, "minute": 8, "second": 37}
